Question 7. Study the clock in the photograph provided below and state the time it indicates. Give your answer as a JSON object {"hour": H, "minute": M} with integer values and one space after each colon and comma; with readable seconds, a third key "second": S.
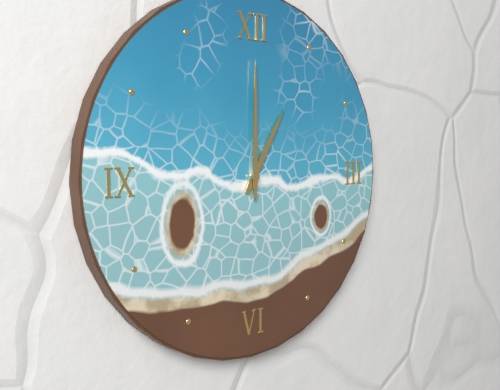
{"hour": 1, "minute": 0}
